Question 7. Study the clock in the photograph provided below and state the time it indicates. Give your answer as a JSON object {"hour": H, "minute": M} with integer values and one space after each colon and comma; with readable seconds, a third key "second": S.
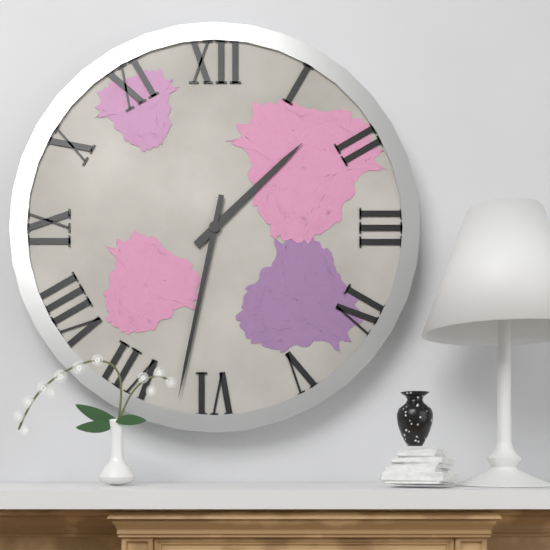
{"hour": 1, "minute": 32}
